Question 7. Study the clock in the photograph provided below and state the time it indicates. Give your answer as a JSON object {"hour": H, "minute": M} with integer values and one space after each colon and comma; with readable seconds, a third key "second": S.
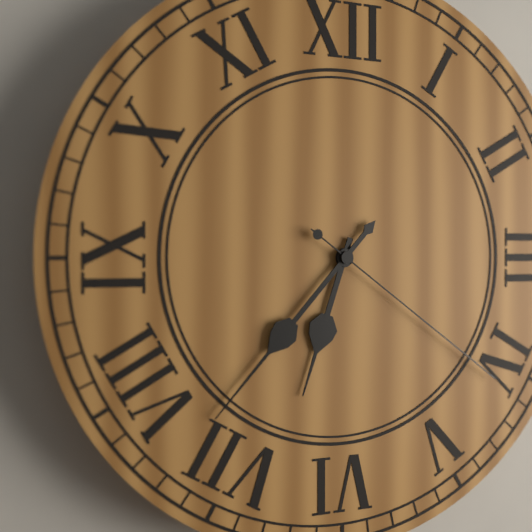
{"hour": 6, "minute": 37, "second": 21}
